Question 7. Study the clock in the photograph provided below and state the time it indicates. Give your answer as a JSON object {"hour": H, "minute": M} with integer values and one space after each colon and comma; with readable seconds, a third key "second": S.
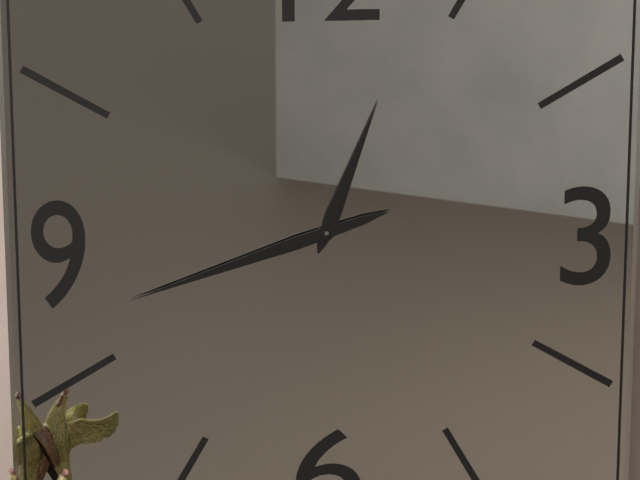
{"hour": 12, "minute": 42}
